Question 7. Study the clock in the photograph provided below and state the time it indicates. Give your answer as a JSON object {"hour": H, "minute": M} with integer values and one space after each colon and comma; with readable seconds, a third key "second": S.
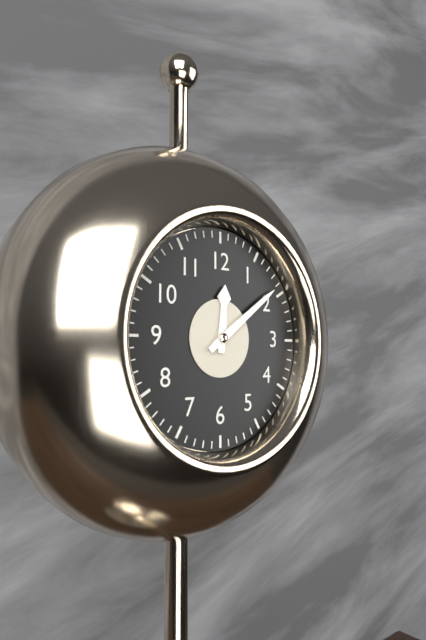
{"hour": 12, "minute": 9}
